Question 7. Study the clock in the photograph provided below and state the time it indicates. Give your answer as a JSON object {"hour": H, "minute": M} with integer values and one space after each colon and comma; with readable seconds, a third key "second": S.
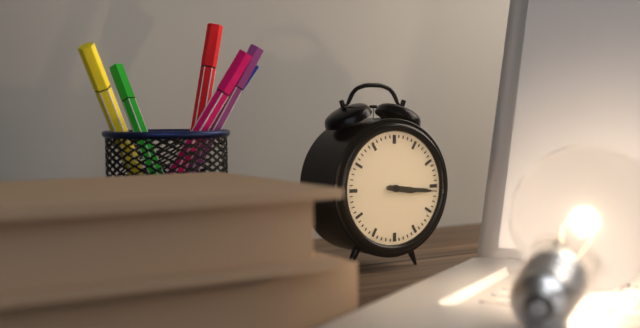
{"hour": 3, "minute": 16}
